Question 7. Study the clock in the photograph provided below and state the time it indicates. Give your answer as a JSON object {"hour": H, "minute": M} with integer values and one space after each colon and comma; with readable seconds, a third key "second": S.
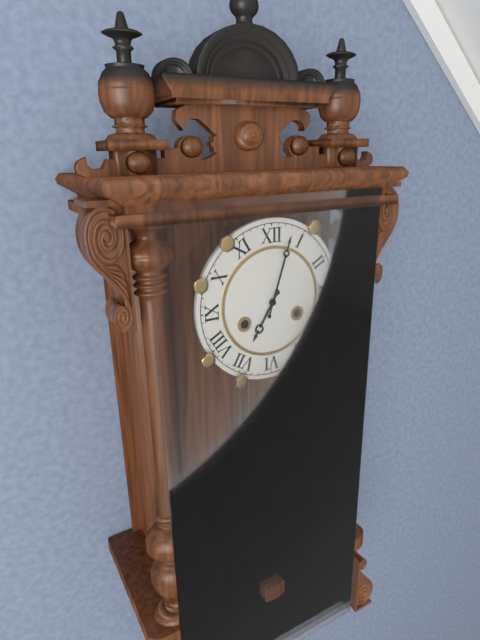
{"hour": 7, "minute": 3}
